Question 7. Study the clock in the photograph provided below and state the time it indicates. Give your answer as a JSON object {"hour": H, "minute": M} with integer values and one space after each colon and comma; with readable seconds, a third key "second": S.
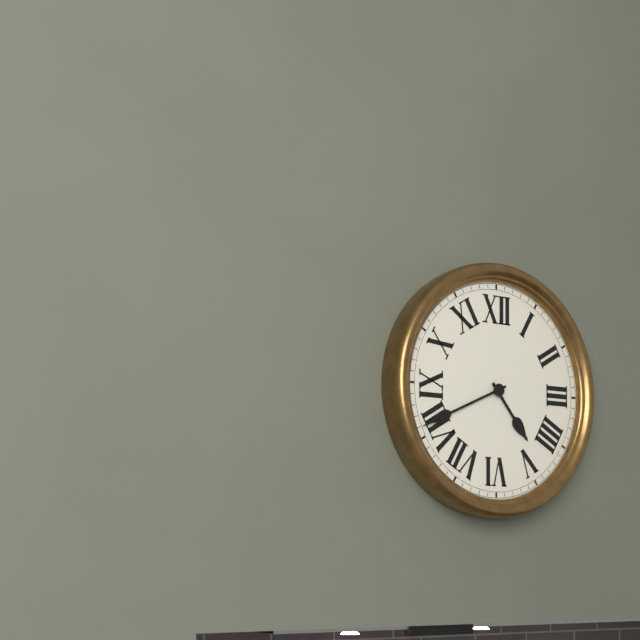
{"hour": 4, "minute": 41}
